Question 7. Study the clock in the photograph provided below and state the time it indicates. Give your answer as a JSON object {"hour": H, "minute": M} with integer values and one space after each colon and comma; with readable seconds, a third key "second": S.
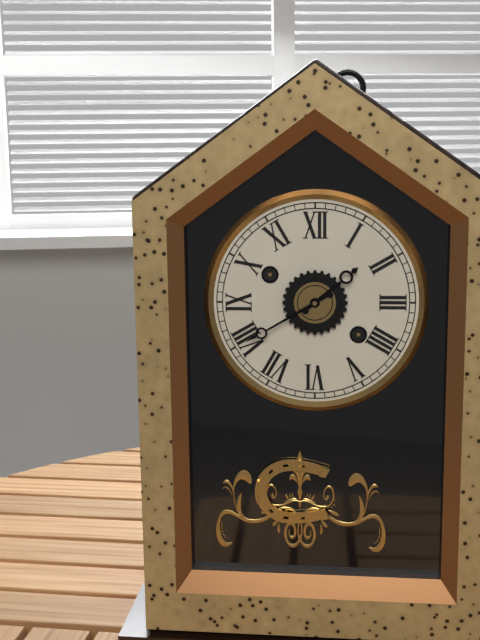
{"hour": 1, "minute": 40}
